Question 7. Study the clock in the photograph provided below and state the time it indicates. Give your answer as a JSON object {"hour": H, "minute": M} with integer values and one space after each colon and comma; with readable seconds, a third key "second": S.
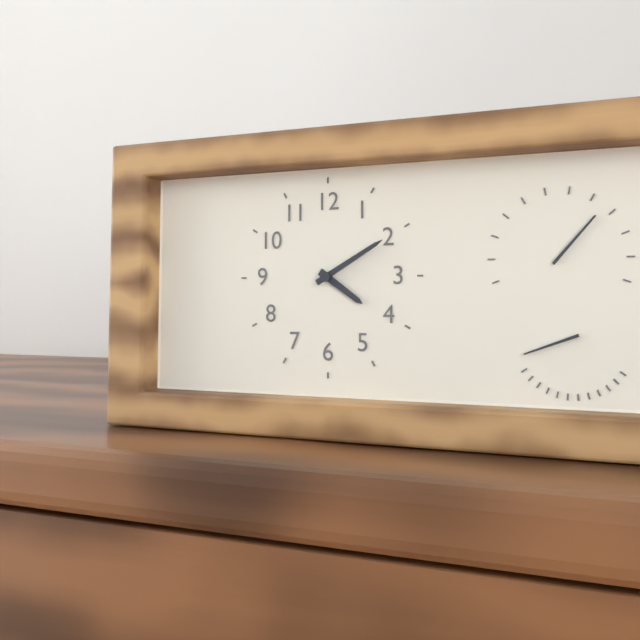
{"hour": 4, "minute": 10}
